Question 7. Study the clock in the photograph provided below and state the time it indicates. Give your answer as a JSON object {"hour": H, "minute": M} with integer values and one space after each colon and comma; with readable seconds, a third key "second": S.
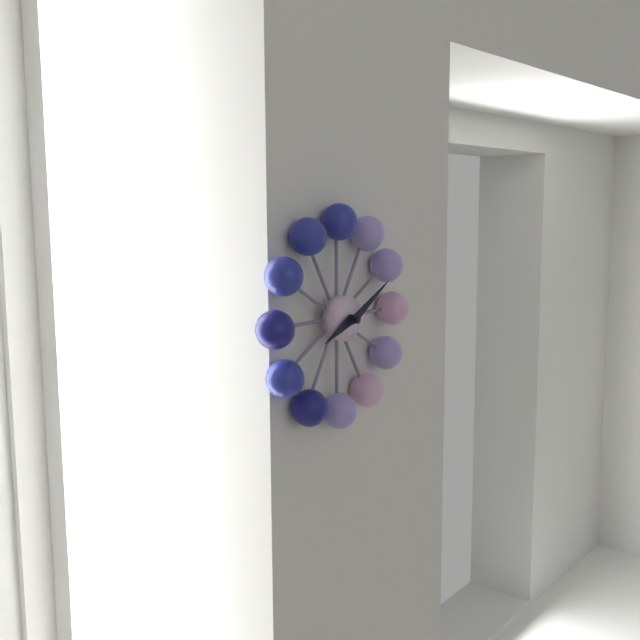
{"hour": 8, "minute": 10}
